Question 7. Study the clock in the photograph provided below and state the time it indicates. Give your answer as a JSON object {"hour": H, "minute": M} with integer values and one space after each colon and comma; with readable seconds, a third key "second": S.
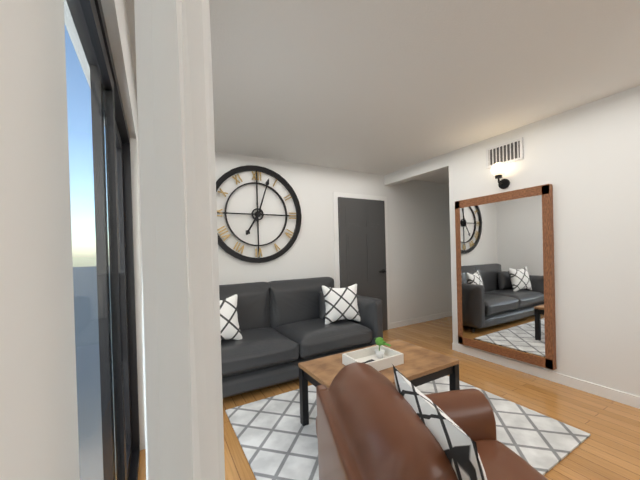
{"hour": 7, "minute": 3}
